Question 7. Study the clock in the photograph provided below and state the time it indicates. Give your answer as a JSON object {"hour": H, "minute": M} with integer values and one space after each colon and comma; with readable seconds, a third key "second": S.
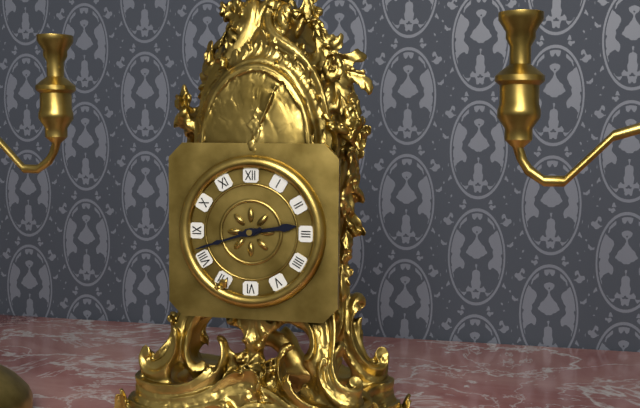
{"hour": 2, "minute": 42}
